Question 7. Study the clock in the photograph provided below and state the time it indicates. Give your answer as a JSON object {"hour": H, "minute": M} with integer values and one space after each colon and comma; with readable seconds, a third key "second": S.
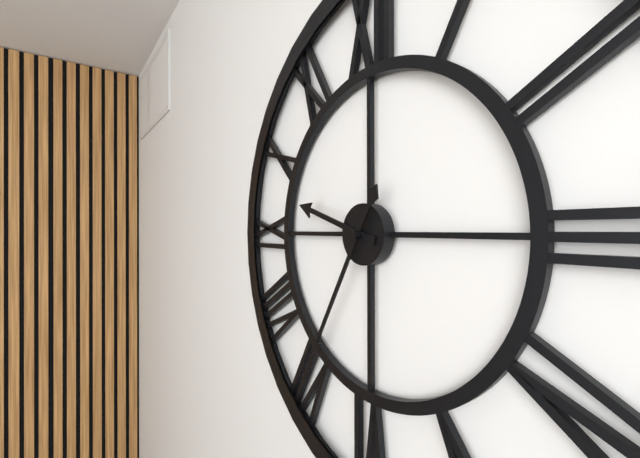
{"hour": 9, "minute": 35}
